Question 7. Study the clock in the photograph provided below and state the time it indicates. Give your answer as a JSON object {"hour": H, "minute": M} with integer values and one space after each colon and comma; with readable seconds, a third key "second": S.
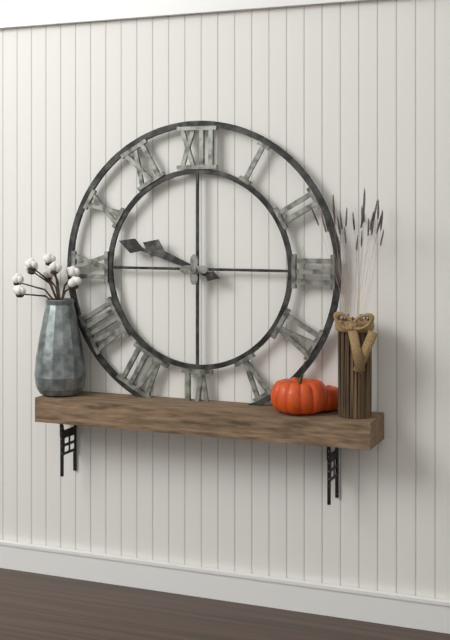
{"hour": 9, "minute": 48}
